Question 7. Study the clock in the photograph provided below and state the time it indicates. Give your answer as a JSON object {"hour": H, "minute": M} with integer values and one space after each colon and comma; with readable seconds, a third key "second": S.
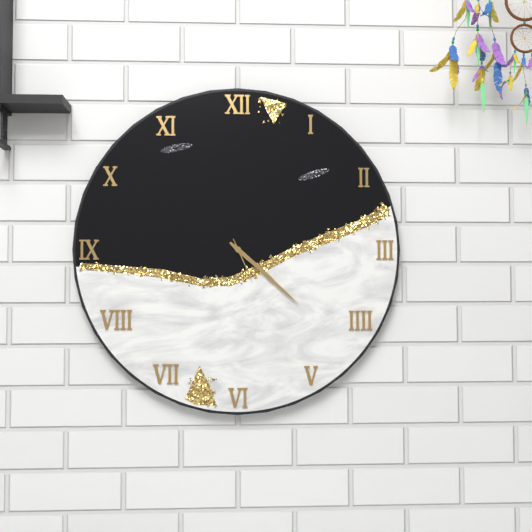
{"hour": 4, "minute": 22}
